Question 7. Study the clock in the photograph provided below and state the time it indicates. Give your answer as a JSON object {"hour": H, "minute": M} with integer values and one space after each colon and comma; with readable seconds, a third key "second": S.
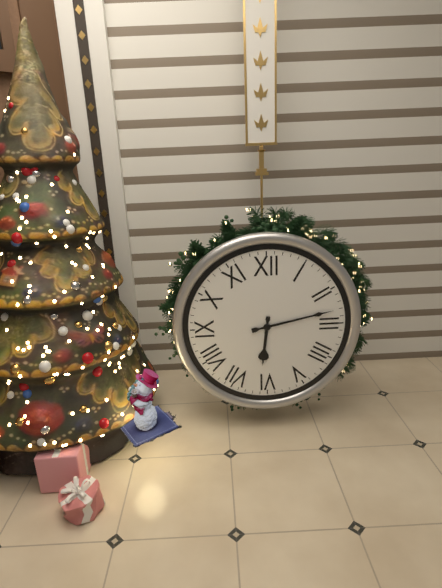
{"hour": 6, "minute": 13}
